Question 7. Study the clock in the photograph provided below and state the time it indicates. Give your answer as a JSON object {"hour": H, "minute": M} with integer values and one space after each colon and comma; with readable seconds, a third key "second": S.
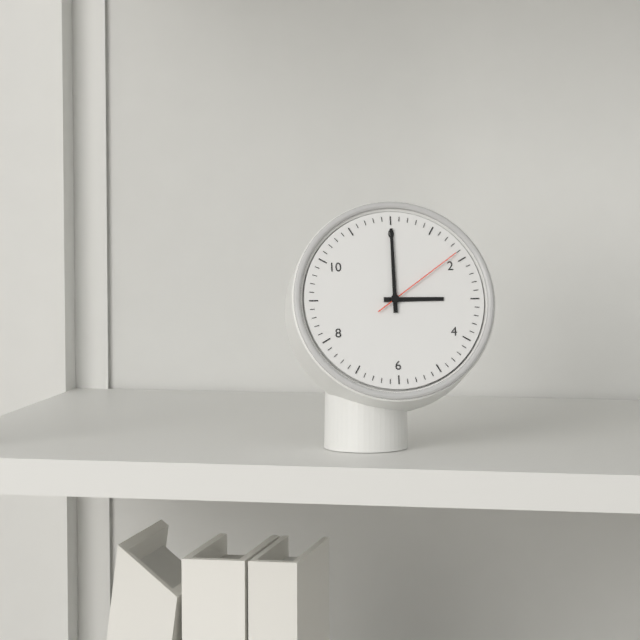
{"hour": 3, "minute": 0, "second": 9}
